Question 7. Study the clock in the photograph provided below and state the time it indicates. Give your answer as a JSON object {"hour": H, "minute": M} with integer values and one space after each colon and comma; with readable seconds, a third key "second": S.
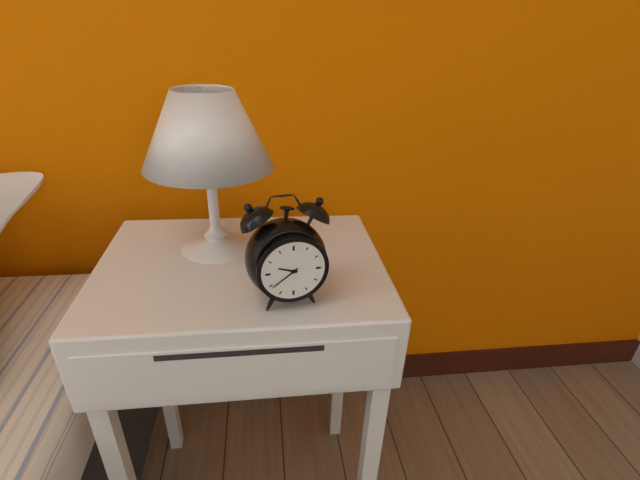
{"hour": 9, "minute": 39}
